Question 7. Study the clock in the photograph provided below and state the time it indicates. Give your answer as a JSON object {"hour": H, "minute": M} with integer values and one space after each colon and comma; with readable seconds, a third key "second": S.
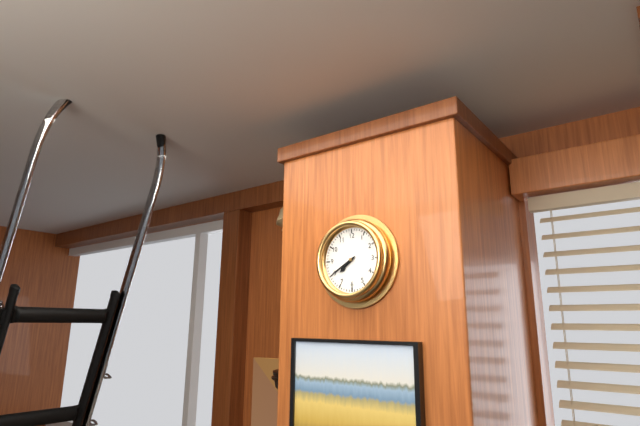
{"hour": 7, "minute": 40}
